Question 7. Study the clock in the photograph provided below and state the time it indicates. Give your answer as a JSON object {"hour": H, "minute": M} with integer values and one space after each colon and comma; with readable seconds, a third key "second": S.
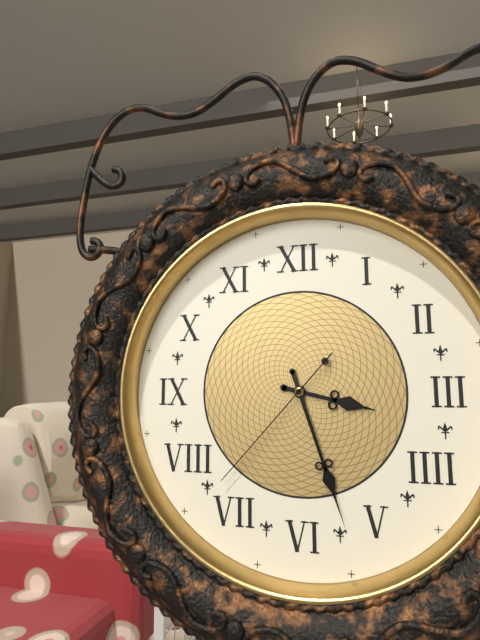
{"hour": 3, "minute": 27, "second": 37}
